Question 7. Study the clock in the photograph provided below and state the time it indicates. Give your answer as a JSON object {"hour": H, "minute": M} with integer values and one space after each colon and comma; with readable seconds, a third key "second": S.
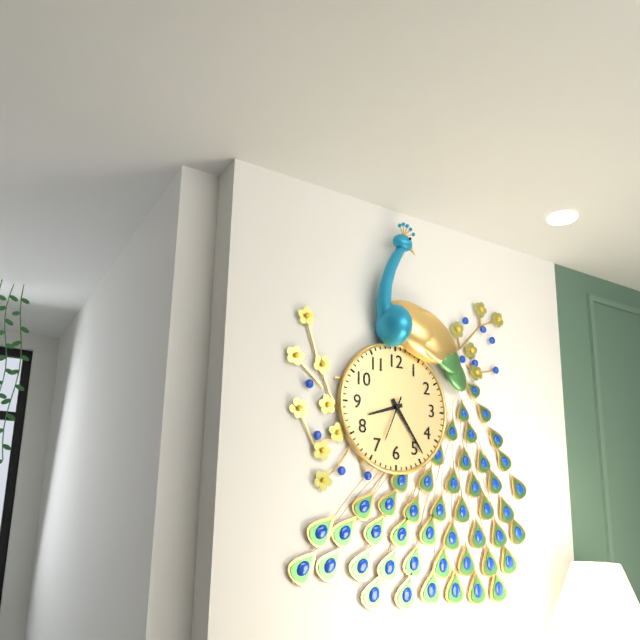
{"hour": 8, "minute": 24}
